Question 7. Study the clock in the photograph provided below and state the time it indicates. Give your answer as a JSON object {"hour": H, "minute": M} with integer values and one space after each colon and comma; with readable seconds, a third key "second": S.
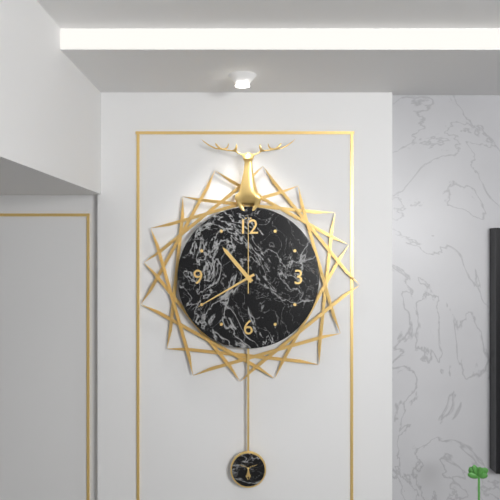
{"hour": 10, "minute": 40, "second": 0}
